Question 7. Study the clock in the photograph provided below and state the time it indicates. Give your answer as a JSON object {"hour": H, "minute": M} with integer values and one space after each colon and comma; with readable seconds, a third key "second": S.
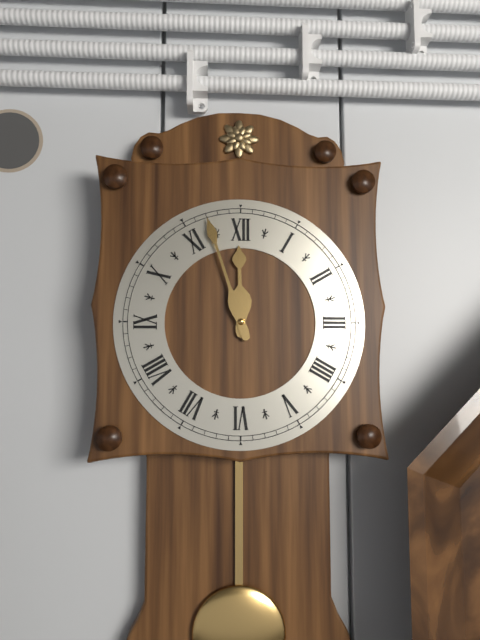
{"hour": 11, "minute": 57}
